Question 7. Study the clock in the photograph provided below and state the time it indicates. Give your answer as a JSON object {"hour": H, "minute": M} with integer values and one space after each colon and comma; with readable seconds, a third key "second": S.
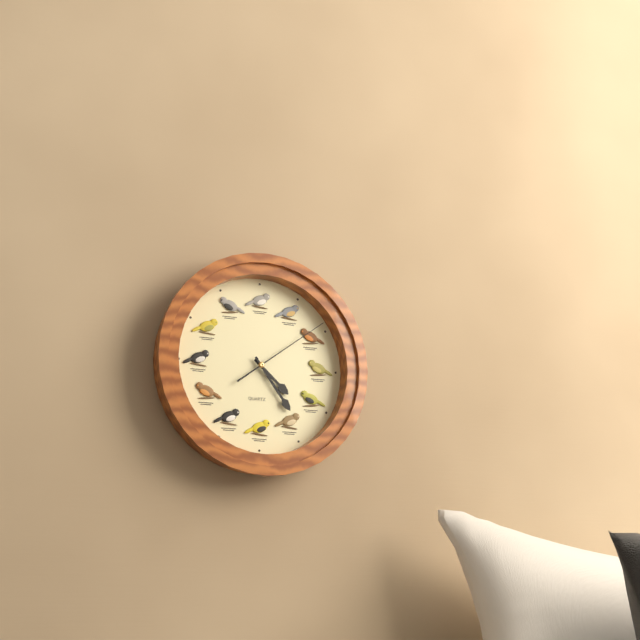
{"hour": 4, "minute": 24, "second": 9}
